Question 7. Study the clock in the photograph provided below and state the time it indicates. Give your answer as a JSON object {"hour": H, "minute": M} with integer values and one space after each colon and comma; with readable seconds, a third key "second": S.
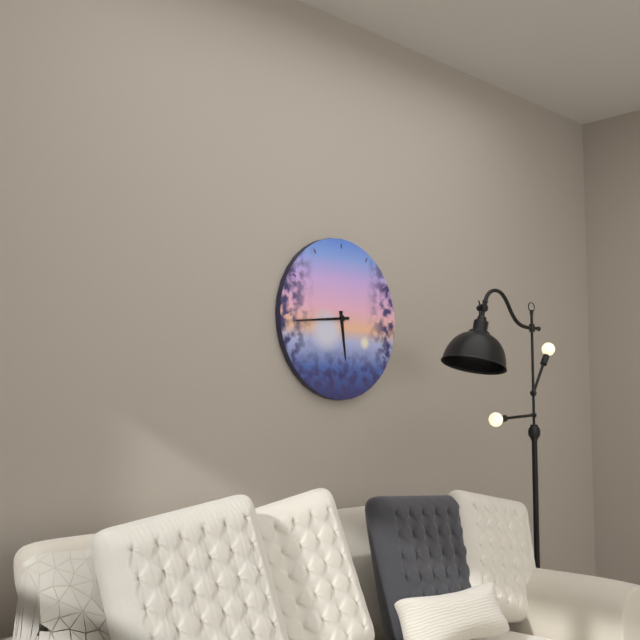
{"hour": 5, "minute": 44}
